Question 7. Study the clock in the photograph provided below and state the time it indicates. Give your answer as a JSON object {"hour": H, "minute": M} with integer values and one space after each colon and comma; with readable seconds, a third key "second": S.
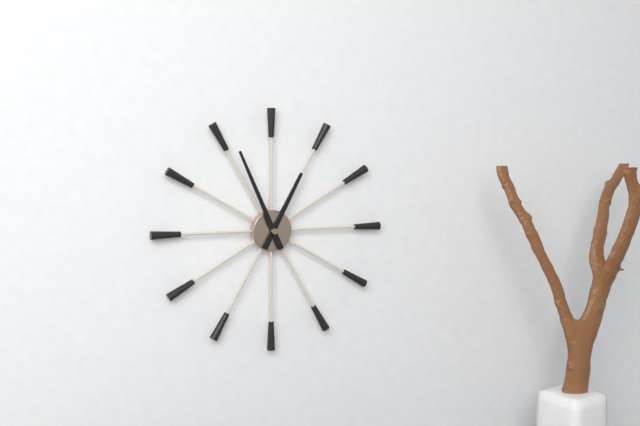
{"hour": 12, "minute": 56}
